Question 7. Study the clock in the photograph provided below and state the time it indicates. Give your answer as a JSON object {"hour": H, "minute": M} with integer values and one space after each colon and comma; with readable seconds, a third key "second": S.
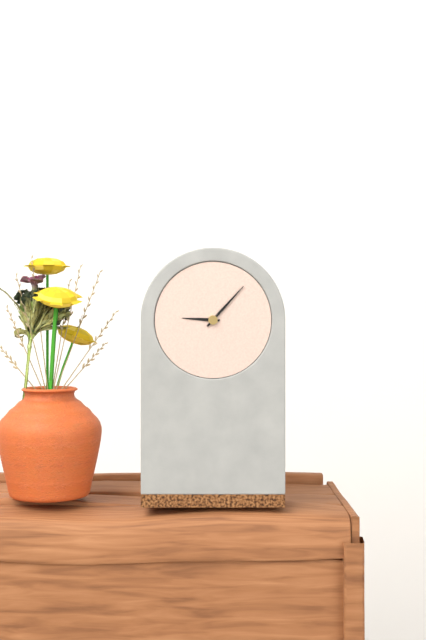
{"hour": 9, "minute": 7}
